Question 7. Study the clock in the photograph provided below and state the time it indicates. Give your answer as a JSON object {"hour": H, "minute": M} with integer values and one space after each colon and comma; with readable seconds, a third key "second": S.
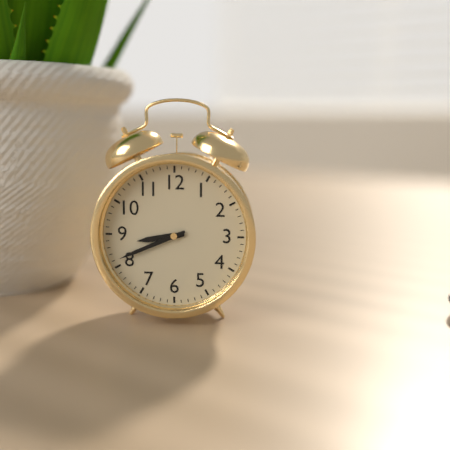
{"hour": 8, "minute": 41}
